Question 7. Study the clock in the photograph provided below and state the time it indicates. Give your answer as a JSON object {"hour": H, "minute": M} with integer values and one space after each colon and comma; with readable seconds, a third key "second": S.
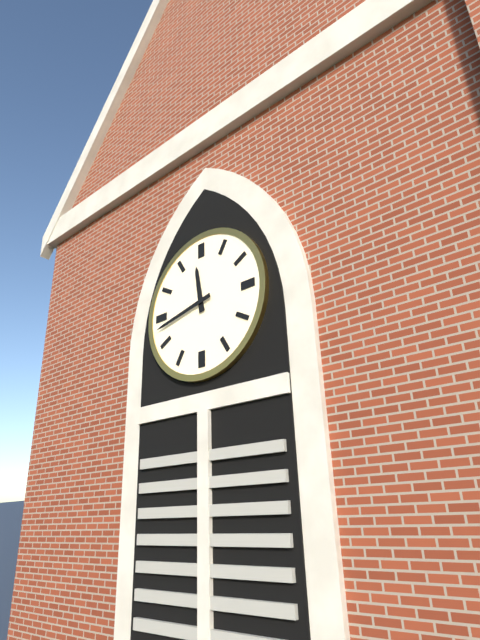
{"hour": 11, "minute": 43}
